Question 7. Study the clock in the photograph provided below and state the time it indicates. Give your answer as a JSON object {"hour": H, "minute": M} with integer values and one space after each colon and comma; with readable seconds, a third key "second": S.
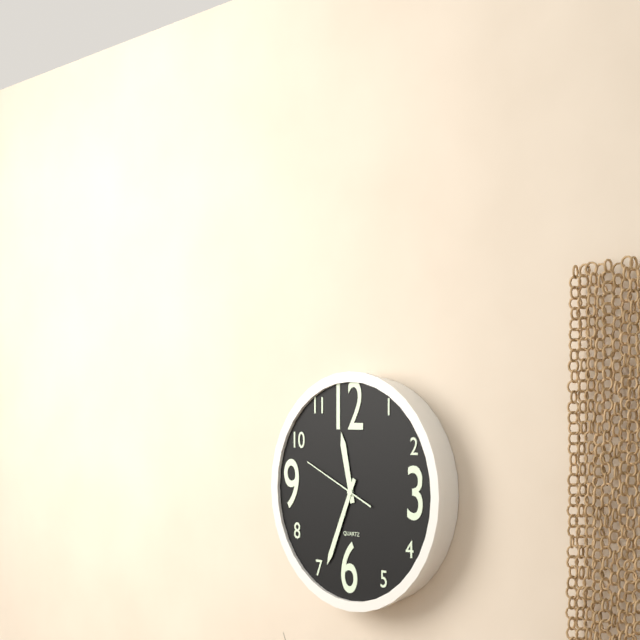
{"hour": 11, "minute": 34, "second": 49}
